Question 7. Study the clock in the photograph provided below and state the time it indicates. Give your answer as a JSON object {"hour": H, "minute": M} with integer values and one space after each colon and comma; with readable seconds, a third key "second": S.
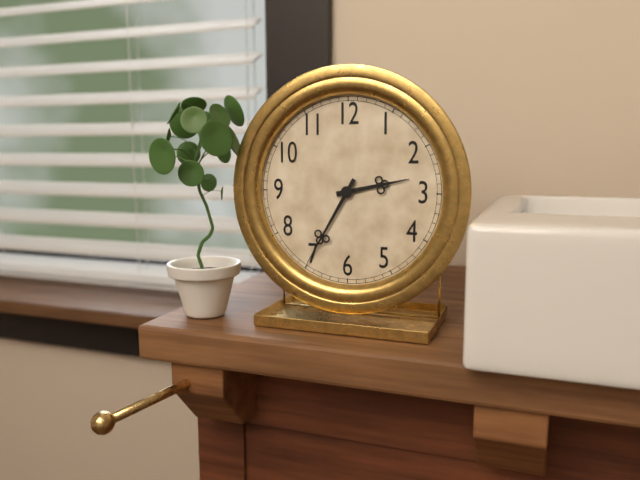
{"hour": 2, "minute": 35}
